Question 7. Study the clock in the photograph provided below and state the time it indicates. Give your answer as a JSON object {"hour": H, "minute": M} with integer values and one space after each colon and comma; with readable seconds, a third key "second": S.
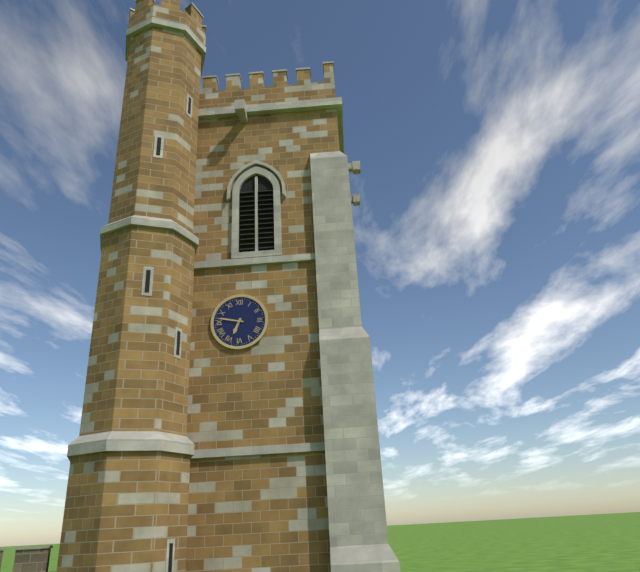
{"hour": 6, "minute": 47}
